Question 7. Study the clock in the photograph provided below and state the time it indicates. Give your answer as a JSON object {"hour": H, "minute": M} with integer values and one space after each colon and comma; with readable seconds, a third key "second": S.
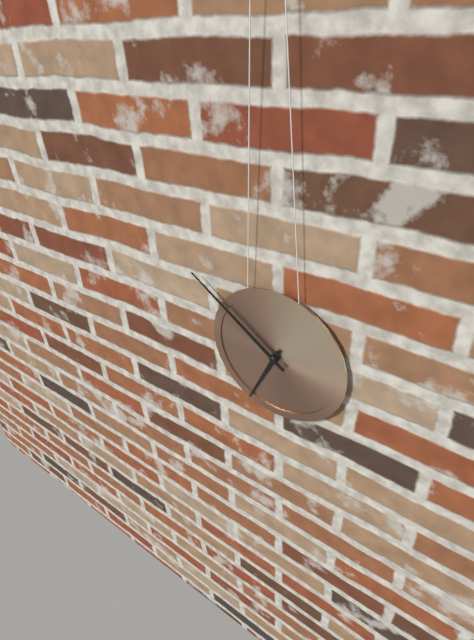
{"hour": 6, "minute": 51}
